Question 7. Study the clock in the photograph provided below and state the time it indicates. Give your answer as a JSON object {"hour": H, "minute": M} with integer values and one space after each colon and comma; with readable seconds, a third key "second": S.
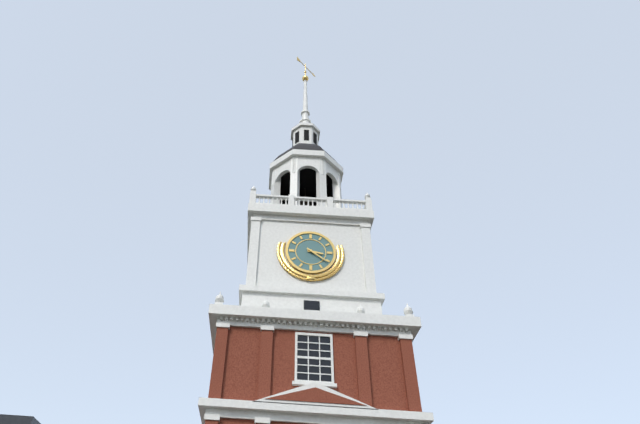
{"hour": 3, "minute": 21}
